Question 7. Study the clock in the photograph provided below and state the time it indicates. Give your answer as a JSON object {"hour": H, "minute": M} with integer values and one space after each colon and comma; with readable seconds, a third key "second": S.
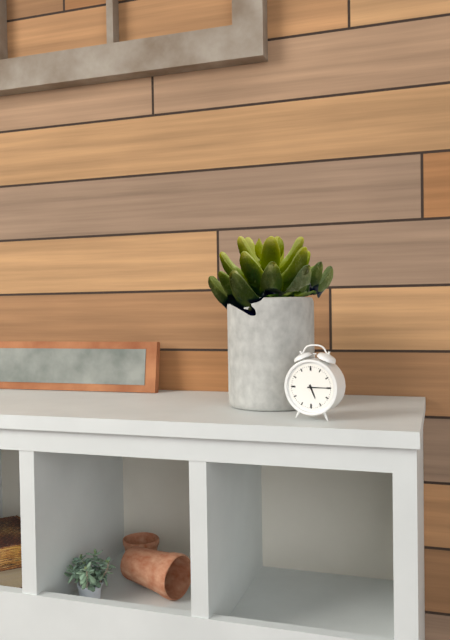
{"hour": 5, "minute": 15}
